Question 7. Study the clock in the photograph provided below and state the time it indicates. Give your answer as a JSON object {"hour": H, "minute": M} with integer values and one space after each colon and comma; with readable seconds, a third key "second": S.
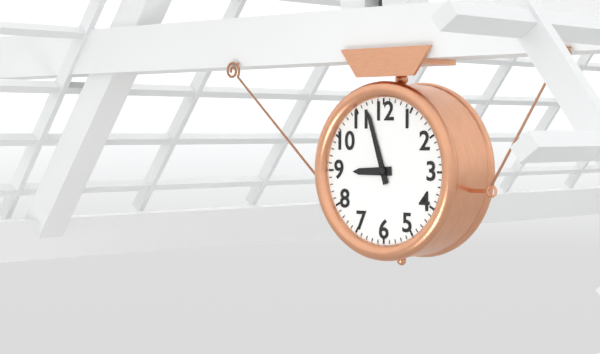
{"hour": 8, "minute": 57}
